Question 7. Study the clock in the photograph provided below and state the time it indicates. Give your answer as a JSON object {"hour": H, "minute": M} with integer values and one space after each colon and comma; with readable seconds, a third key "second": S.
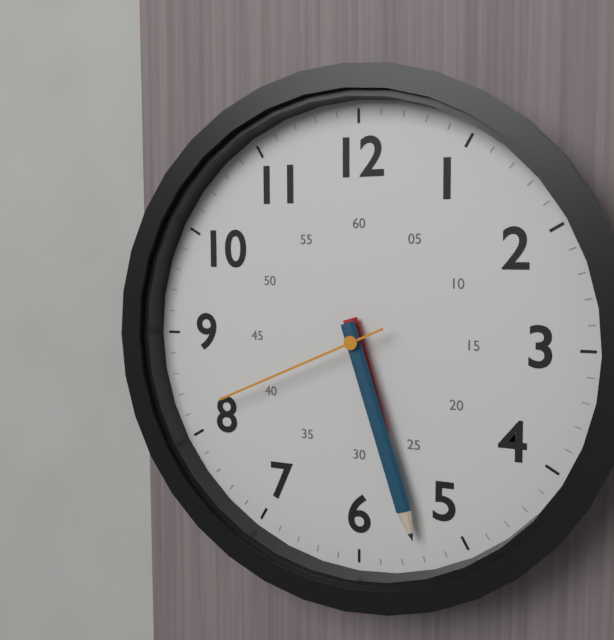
{"hour": 5, "minute": 27, "second": 41}
